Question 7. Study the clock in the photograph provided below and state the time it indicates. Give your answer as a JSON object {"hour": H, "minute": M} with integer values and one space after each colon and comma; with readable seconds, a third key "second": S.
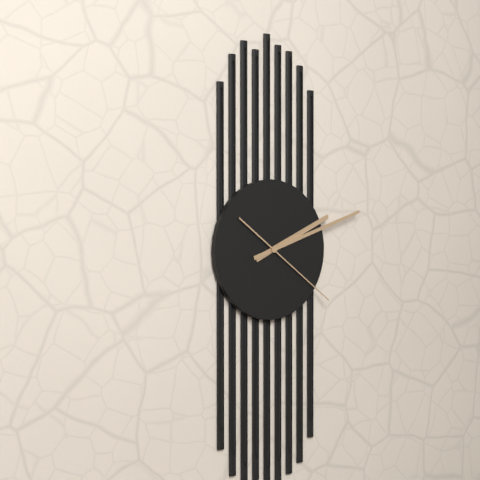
{"hour": 2, "minute": 12, "second": 21}
